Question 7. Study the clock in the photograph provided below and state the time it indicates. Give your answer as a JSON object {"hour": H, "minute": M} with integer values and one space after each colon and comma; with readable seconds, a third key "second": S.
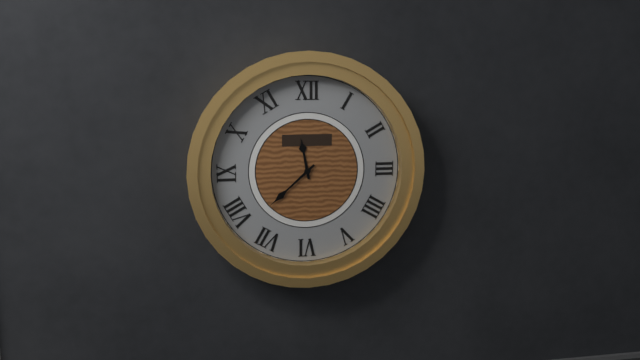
{"hour": 11, "minute": 38}
